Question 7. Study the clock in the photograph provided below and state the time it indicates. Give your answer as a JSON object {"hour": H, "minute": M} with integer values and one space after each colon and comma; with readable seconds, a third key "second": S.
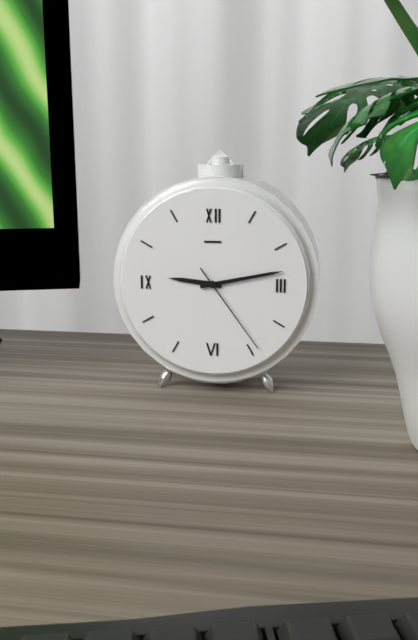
{"hour": 9, "minute": 13, "second": 24}
